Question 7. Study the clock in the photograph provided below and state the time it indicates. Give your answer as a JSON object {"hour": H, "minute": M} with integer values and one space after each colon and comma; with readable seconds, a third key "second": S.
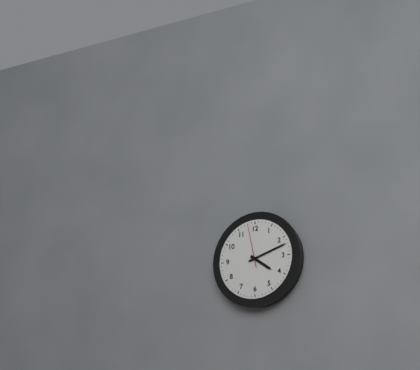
{"hour": 4, "minute": 12}
